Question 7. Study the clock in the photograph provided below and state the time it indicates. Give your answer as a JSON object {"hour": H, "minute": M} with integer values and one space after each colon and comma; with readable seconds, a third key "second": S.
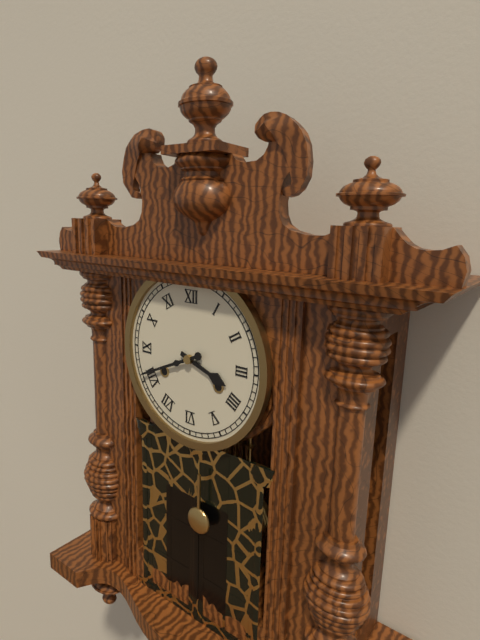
{"hour": 3, "minute": 41}
